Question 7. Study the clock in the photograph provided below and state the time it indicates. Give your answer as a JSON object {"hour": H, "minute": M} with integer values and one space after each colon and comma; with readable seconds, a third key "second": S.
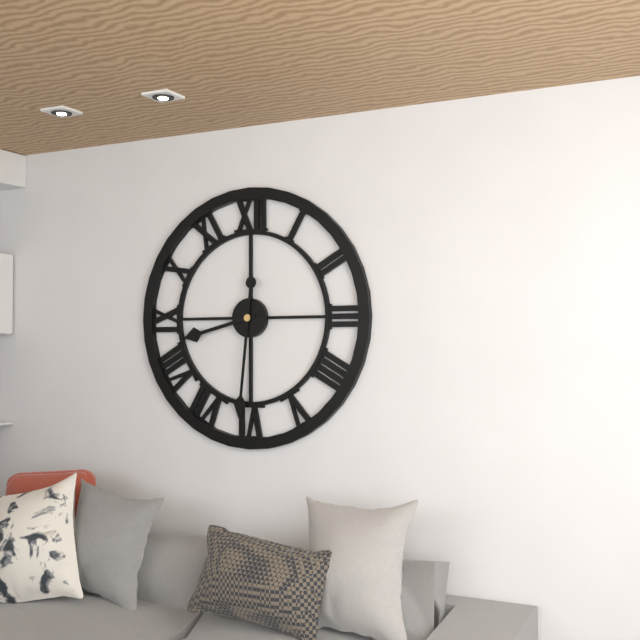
{"hour": 8, "minute": 31}
